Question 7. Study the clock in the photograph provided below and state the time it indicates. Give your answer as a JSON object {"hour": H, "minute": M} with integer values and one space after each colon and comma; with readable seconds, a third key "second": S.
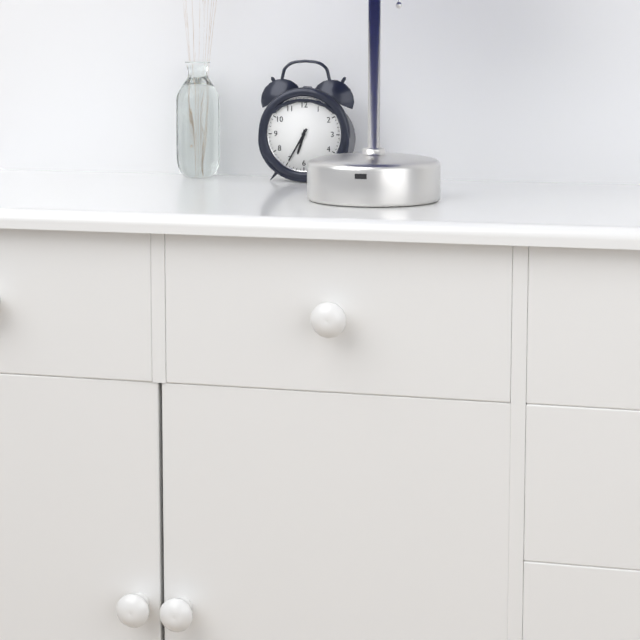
{"hour": 6, "minute": 35}
